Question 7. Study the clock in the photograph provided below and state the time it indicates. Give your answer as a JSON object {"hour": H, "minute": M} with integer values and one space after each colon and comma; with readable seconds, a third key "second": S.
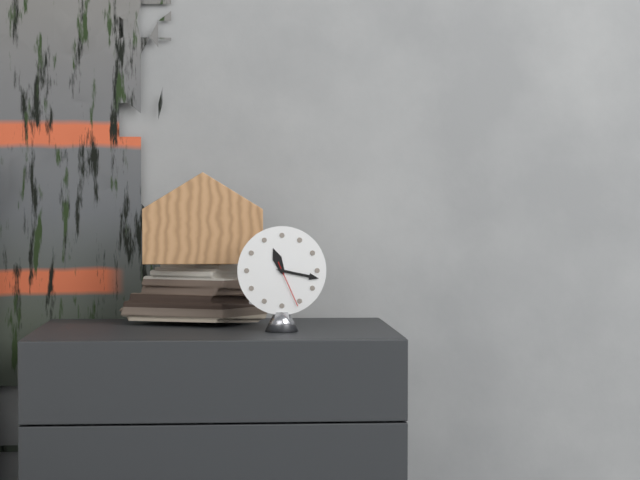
{"hour": 11, "minute": 17}
